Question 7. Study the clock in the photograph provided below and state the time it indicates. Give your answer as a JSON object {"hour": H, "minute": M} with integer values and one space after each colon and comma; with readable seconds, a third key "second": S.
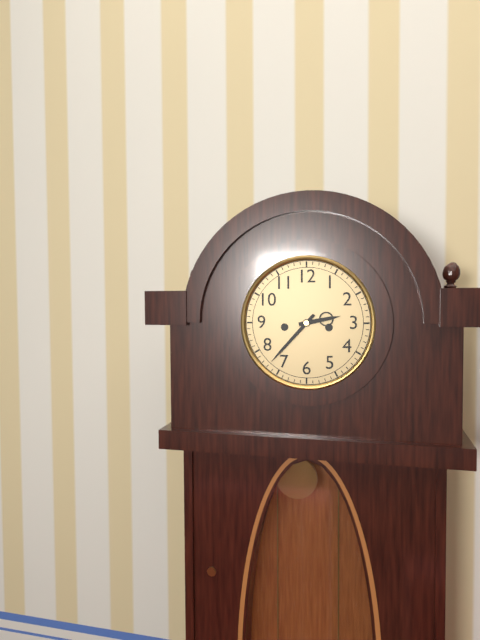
{"hour": 2, "minute": 37}
